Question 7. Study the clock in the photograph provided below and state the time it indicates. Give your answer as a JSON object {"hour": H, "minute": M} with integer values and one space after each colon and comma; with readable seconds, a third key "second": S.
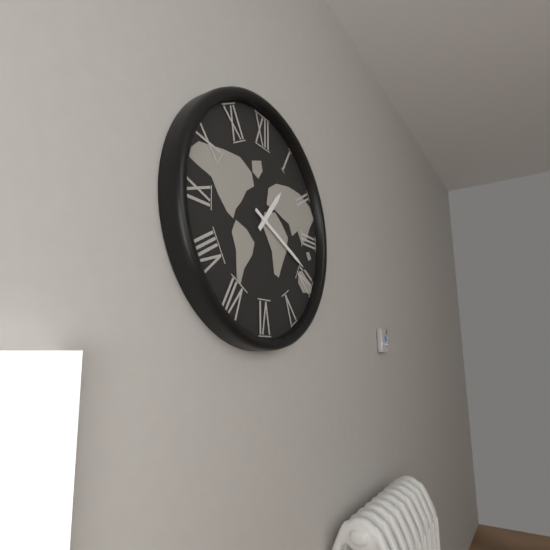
{"hour": 1, "minute": 19}
